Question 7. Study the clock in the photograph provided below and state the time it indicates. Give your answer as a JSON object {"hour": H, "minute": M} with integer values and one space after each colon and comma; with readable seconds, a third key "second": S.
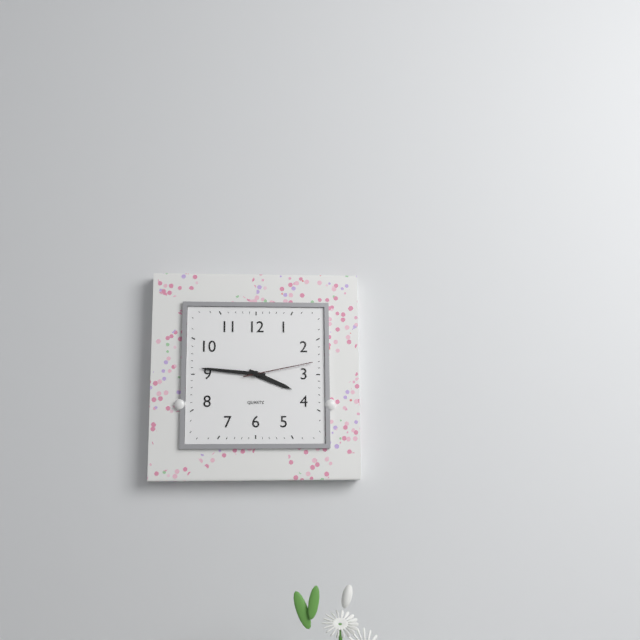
{"hour": 3, "minute": 46, "second": 13}
